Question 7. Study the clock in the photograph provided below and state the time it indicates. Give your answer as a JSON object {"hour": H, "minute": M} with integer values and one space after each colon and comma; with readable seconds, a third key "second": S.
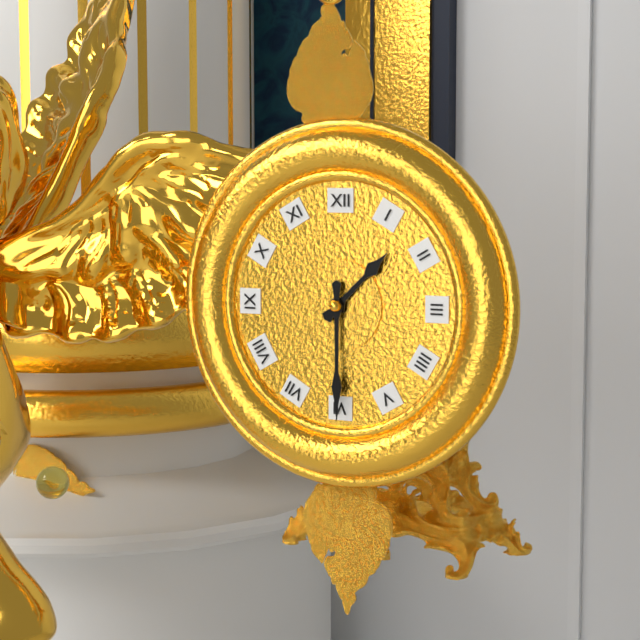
{"hour": 1, "minute": 30}
